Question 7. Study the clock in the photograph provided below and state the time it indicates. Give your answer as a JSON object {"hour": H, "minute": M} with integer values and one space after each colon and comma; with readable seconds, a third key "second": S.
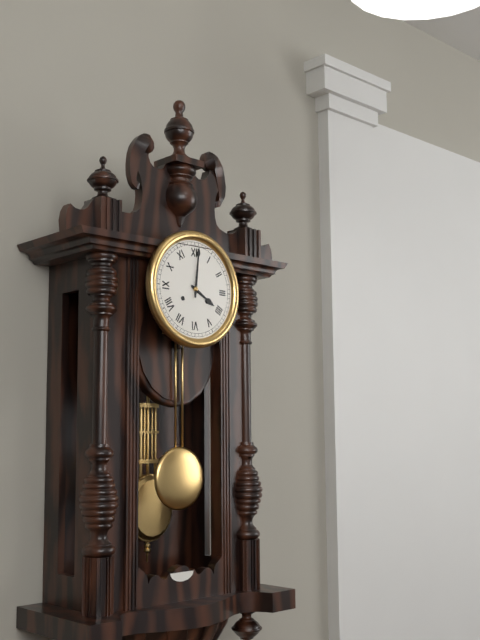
{"hour": 4, "minute": 1}
